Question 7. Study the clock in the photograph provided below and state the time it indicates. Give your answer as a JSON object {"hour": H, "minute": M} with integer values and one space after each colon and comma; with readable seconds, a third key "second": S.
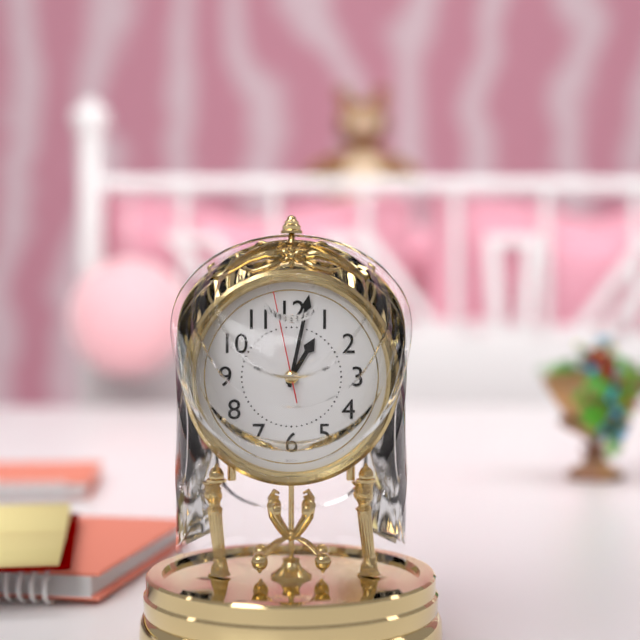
{"hour": 1, "minute": 2, "second": 58}
